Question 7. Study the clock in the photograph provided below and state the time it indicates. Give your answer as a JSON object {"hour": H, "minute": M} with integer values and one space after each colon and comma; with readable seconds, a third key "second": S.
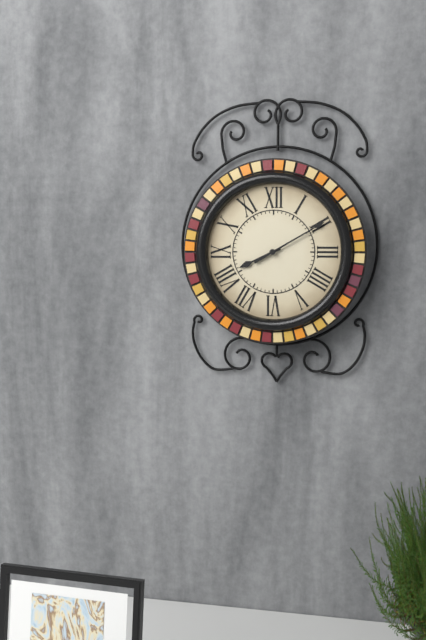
{"hour": 8, "minute": 10}
